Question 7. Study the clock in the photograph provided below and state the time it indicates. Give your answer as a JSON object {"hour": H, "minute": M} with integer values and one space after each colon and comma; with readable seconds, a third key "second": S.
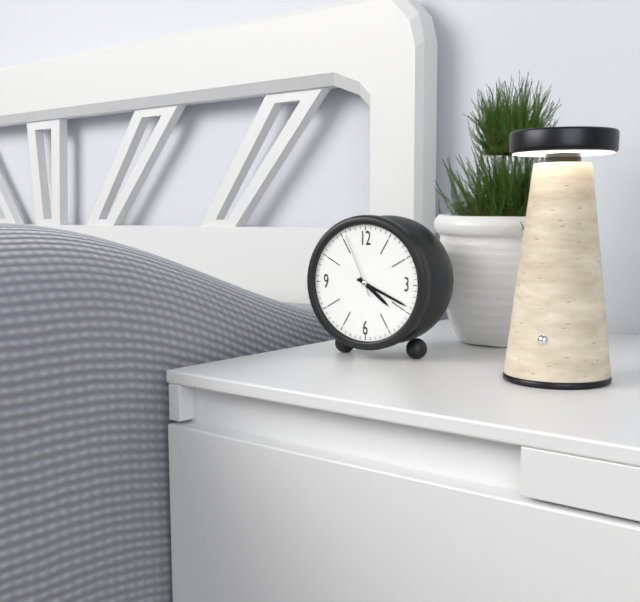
{"hour": 4, "minute": 19, "second": 56}
